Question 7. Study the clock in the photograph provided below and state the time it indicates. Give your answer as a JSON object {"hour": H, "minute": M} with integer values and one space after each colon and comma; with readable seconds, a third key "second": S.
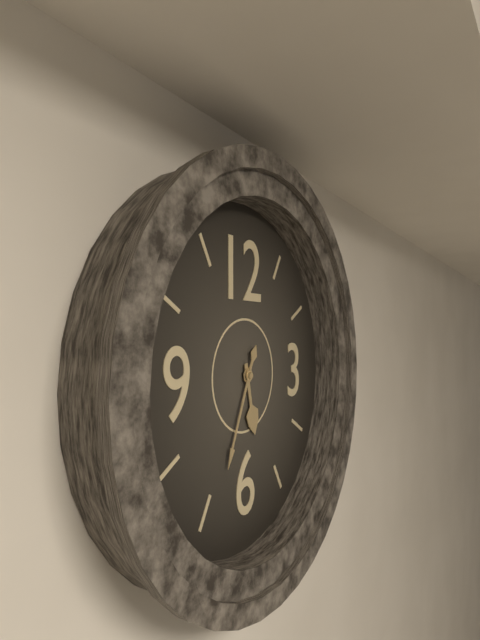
{"hour": 5, "minute": 34}
